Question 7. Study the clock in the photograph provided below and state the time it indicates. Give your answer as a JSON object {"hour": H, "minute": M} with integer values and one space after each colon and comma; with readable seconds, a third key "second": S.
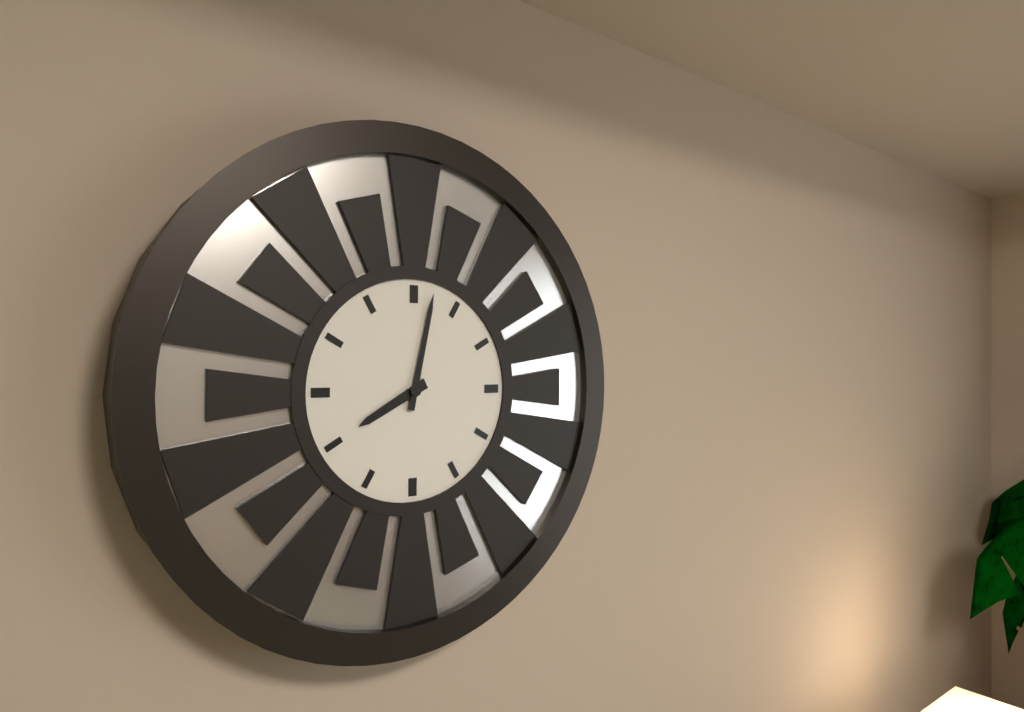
{"hour": 8, "minute": 2}
